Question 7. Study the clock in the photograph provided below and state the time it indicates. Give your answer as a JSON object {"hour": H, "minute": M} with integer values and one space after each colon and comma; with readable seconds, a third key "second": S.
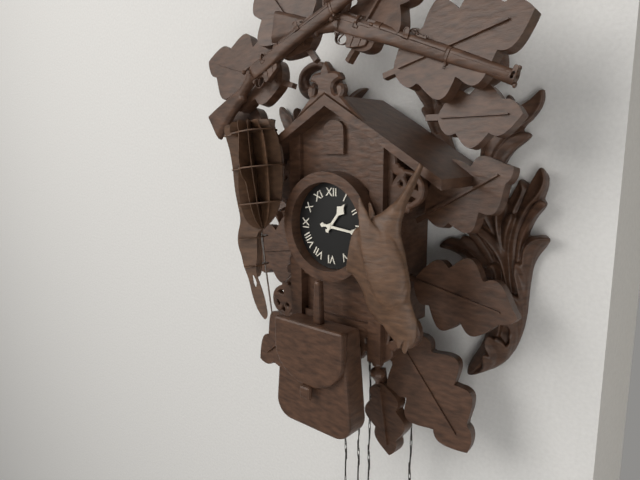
{"hour": 1, "minute": 16}
